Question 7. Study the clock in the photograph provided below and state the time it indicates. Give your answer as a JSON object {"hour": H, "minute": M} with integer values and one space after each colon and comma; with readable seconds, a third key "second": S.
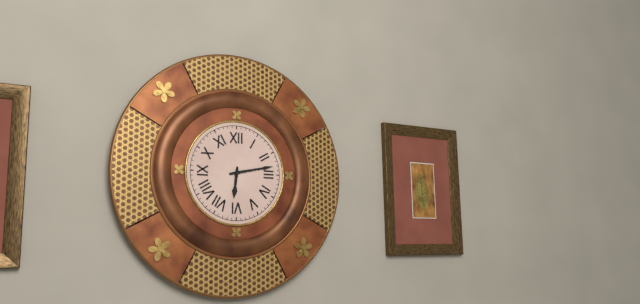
{"hour": 6, "minute": 13}
